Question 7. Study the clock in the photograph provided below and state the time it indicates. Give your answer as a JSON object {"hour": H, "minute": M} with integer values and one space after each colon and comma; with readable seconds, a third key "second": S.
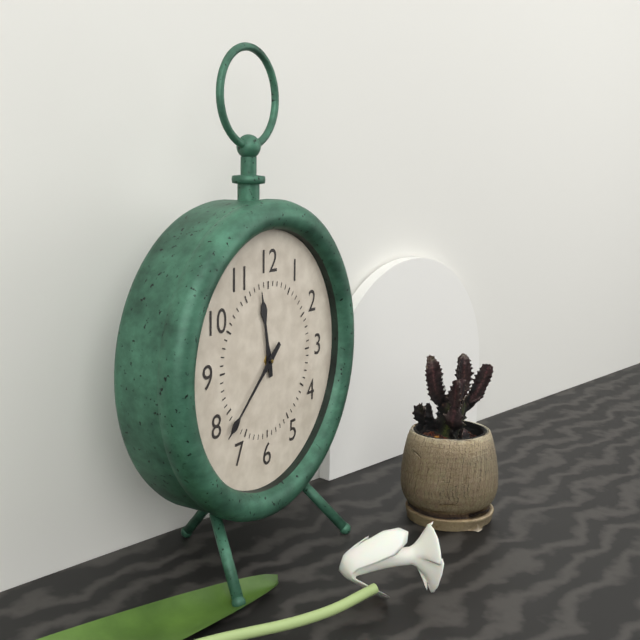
{"hour": 11, "minute": 38}
